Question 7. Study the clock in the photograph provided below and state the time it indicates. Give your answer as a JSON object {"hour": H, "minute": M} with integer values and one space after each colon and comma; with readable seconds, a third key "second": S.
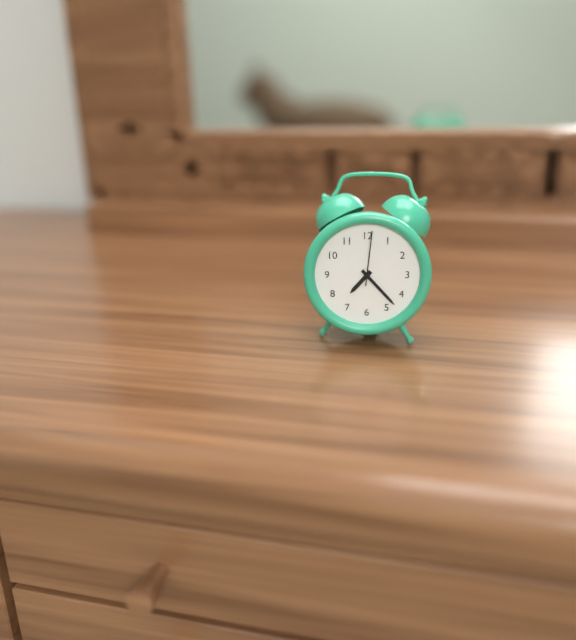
{"hour": 7, "minute": 23, "second": 1}
